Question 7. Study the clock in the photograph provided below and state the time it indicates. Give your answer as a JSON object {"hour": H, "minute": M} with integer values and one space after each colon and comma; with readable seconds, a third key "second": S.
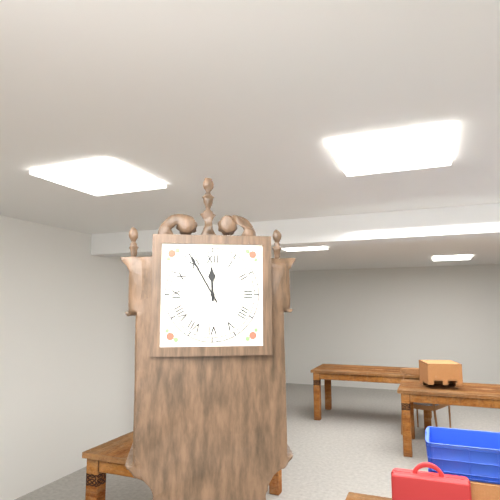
{"hour": 11, "minute": 55}
